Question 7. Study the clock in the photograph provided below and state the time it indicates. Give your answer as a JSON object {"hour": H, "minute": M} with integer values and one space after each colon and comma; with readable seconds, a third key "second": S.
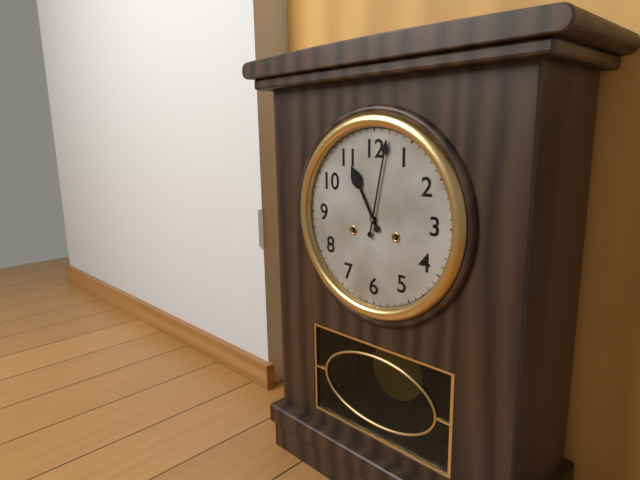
{"hour": 11, "minute": 2}
